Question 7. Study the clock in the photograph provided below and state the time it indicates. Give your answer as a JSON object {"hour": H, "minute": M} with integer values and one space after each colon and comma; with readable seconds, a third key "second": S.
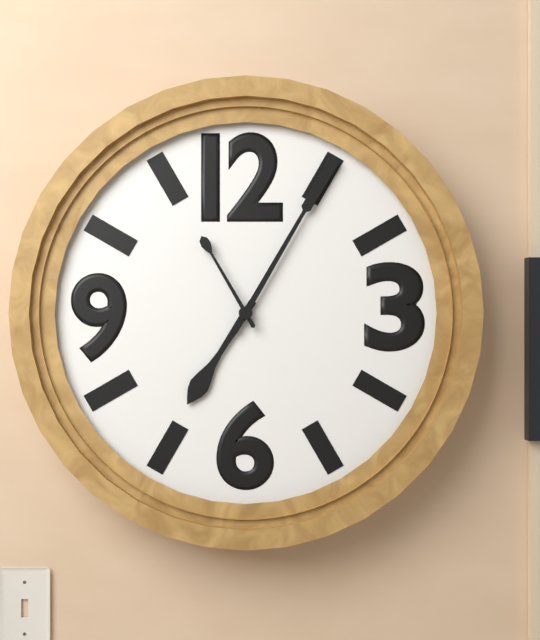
{"hour": 7, "minute": 5, "second": 55}
